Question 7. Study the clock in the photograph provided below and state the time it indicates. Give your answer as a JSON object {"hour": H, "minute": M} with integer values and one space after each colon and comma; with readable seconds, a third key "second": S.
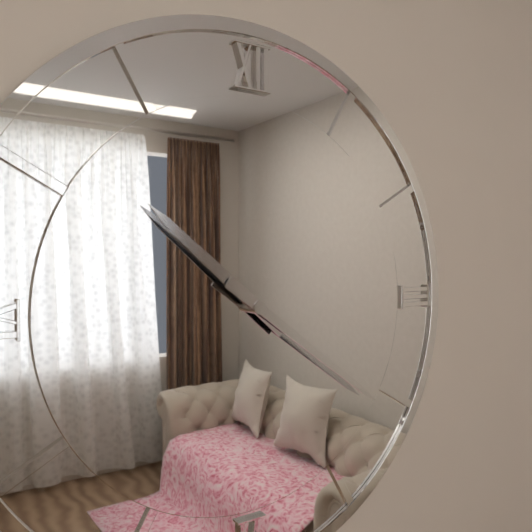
{"hour": 10, "minute": 21}
